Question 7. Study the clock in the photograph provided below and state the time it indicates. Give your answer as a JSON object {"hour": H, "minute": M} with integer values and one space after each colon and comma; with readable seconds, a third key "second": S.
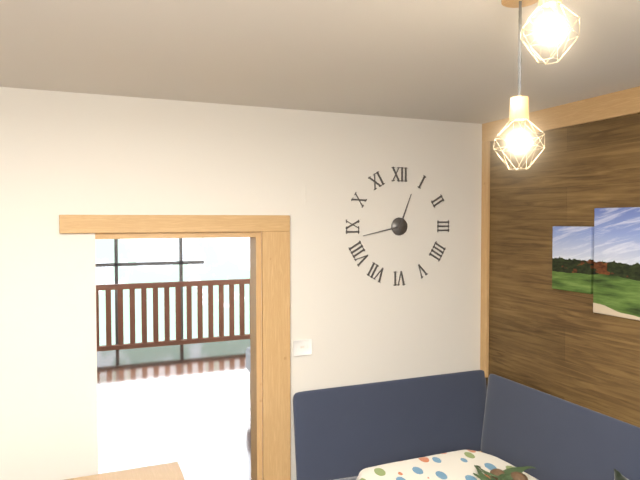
{"hour": 12, "minute": 43}
